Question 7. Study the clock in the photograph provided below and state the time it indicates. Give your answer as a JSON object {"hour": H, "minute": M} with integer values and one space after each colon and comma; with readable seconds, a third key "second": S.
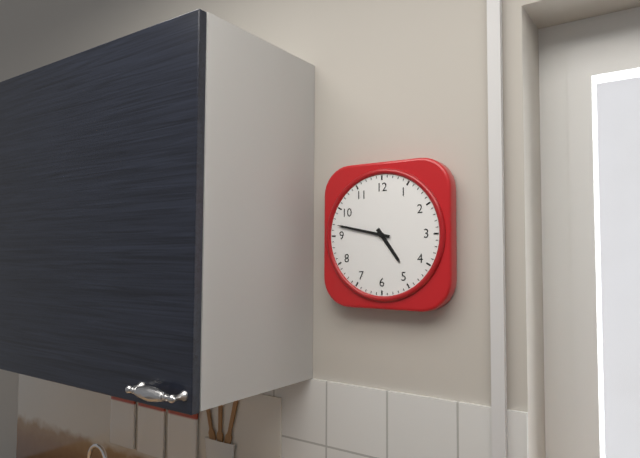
{"hour": 4, "minute": 47}
